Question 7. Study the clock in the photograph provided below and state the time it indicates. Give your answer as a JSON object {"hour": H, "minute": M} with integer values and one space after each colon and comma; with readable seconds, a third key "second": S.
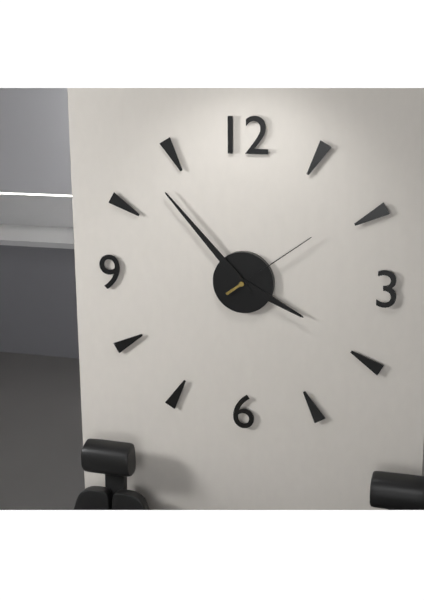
{"hour": 3, "minute": 53, "second": 9}
